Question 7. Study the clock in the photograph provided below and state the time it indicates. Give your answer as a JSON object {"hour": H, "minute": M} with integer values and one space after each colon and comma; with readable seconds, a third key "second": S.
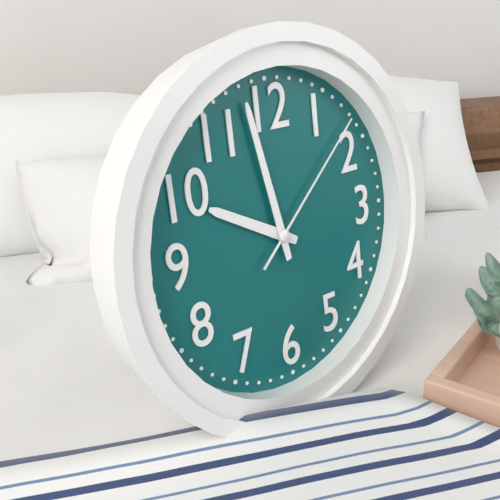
{"hour": 9, "minute": 58, "second": 8}
